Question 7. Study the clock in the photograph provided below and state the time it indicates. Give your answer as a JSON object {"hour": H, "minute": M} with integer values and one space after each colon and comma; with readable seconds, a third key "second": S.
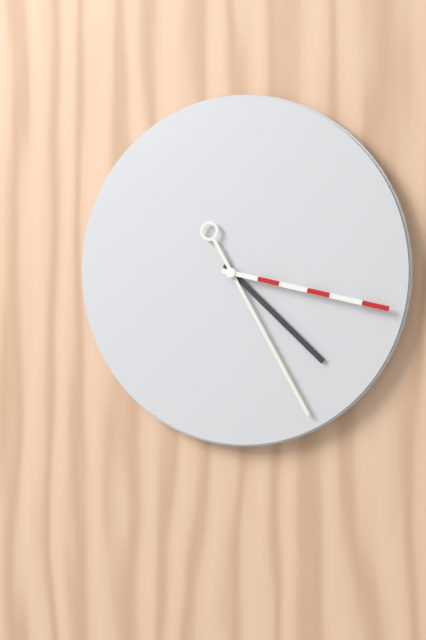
{"hour": 4, "minute": 25, "second": 17}
